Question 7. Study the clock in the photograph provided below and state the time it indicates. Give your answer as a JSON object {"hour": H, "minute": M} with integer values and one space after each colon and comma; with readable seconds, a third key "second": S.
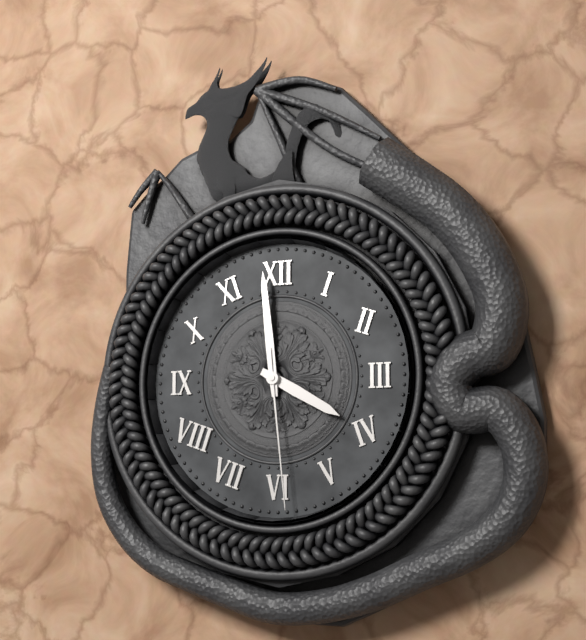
{"hour": 3, "minute": 59, "second": 29}
